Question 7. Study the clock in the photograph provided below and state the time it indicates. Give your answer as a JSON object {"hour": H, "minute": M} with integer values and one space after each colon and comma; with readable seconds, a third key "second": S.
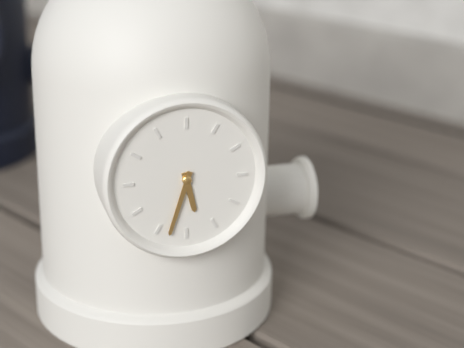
{"hour": 5, "minute": 33}
